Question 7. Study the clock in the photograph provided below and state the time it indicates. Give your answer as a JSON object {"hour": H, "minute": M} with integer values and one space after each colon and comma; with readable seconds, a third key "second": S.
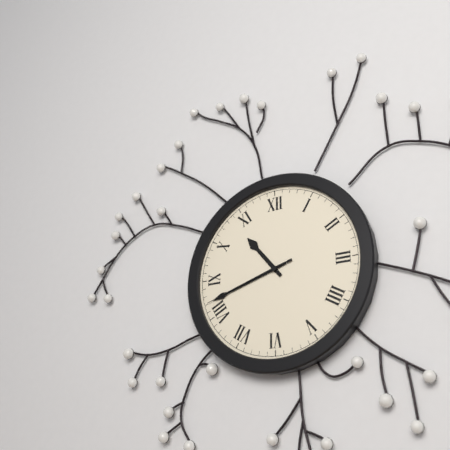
{"hour": 10, "minute": 42, "second": 42}
